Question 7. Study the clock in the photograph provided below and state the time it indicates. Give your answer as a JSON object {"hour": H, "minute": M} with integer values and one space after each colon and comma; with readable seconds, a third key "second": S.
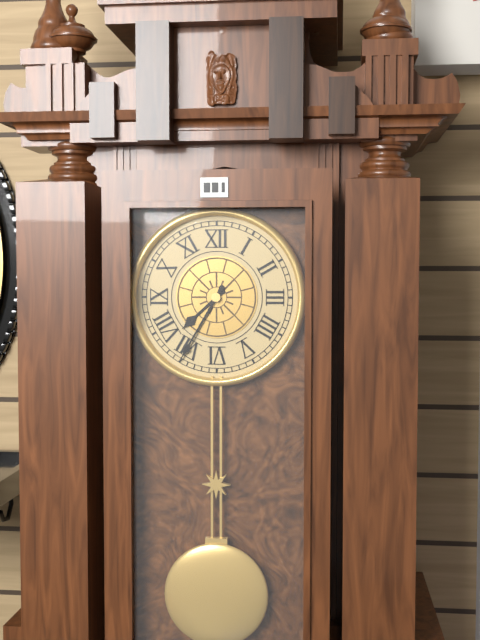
{"hour": 7, "minute": 35}
